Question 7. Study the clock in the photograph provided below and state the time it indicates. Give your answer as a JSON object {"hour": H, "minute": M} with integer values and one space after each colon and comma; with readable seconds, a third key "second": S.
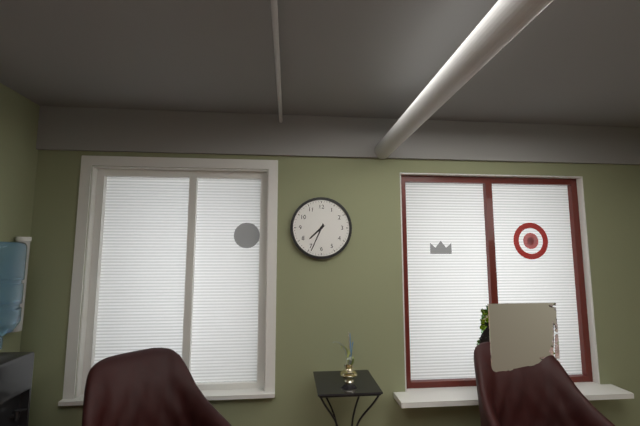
{"hour": 7, "minute": 34}
